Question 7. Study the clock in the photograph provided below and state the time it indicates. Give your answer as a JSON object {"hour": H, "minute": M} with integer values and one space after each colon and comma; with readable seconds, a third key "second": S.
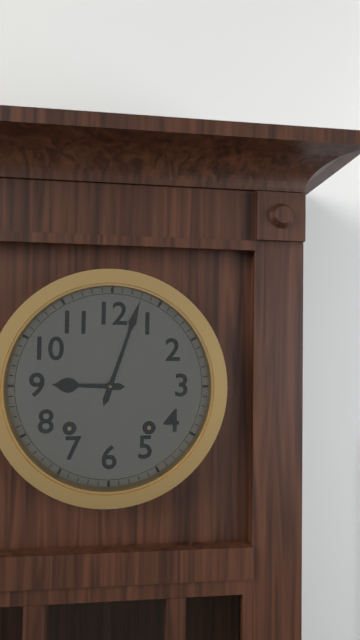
{"hour": 9, "minute": 3}
